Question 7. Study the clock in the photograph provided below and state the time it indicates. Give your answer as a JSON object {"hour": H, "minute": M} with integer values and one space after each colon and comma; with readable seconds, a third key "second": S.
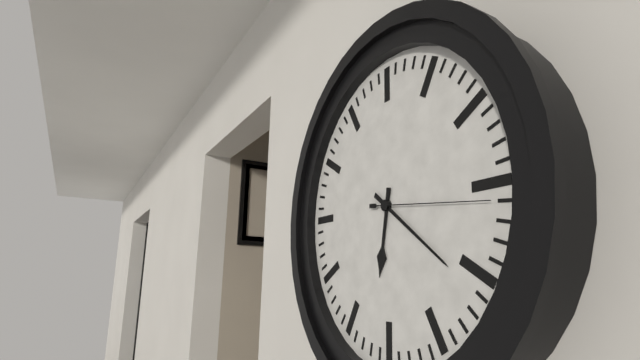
{"hour": 6, "minute": 21, "second": 16}
